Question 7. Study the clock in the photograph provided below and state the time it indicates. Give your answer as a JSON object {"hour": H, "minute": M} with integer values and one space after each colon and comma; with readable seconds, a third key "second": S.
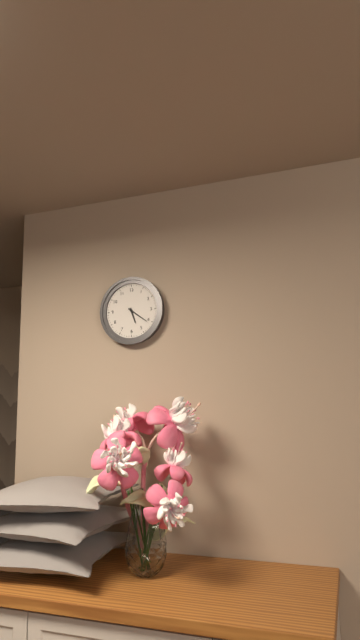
{"hour": 5, "minute": 21}
